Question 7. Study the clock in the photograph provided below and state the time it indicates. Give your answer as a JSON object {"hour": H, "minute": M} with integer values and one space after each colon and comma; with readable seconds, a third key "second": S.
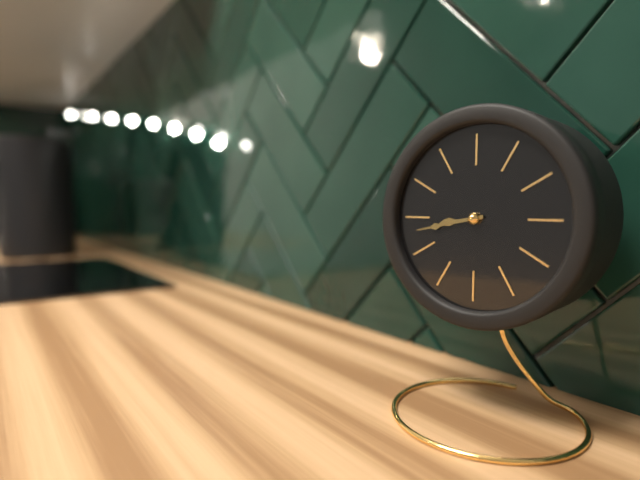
{"hour": 8, "minute": 43}
